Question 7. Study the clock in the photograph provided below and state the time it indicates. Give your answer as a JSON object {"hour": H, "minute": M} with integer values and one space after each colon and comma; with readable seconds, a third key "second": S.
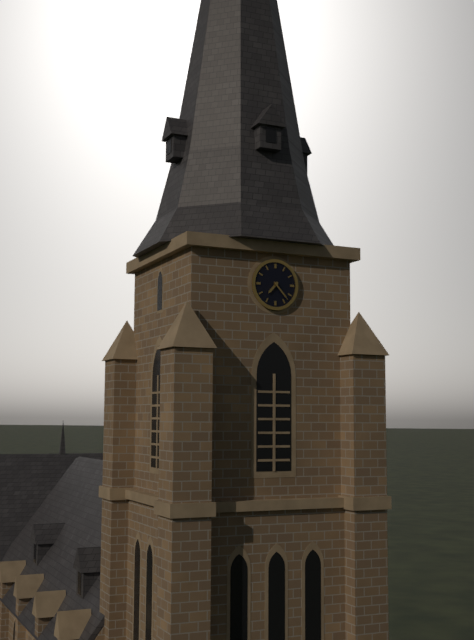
{"hour": 7, "minute": 23}
